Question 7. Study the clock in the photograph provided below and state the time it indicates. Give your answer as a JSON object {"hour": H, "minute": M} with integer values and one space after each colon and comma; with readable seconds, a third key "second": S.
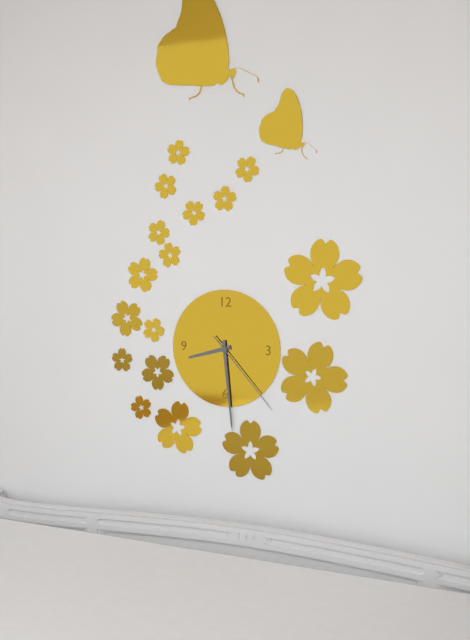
{"hour": 8, "minute": 29, "second": 23}
